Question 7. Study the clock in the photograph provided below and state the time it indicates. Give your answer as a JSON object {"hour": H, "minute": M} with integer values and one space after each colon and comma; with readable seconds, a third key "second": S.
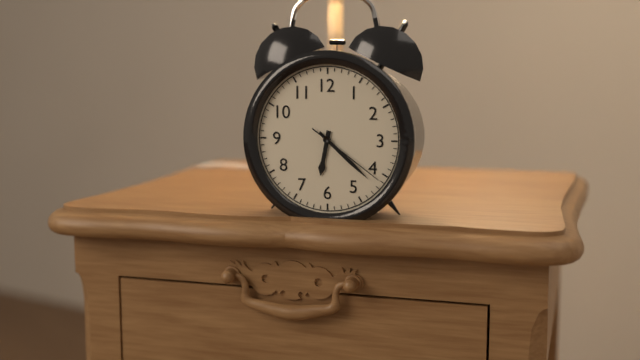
{"hour": 6, "minute": 22, "second": 21}
